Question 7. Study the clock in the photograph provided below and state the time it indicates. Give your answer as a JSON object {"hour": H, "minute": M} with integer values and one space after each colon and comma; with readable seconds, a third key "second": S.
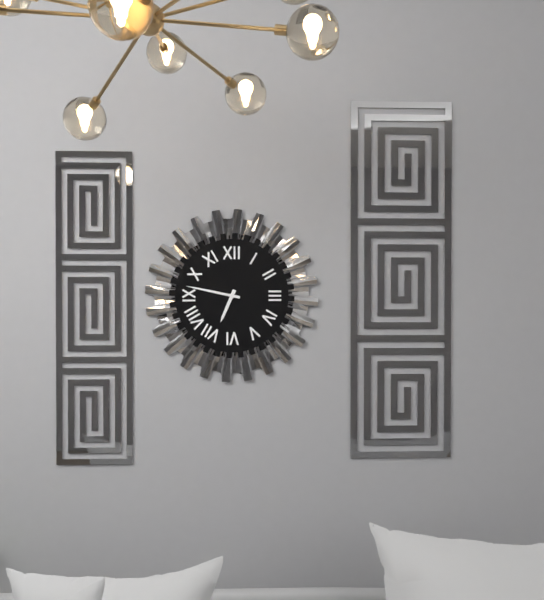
{"hour": 6, "minute": 47}
